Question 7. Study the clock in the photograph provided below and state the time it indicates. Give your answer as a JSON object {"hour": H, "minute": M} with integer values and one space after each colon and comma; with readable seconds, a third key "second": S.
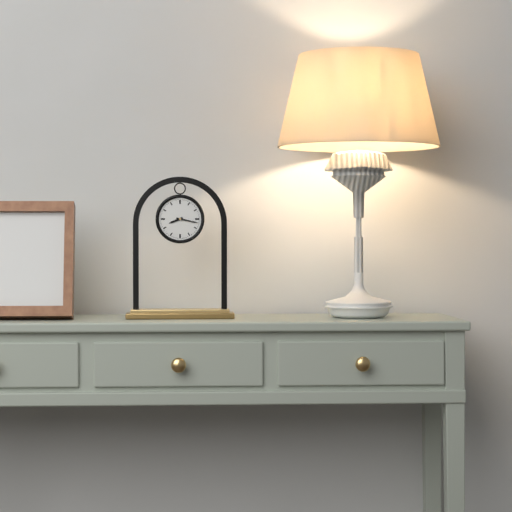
{"hour": 8, "minute": 17}
